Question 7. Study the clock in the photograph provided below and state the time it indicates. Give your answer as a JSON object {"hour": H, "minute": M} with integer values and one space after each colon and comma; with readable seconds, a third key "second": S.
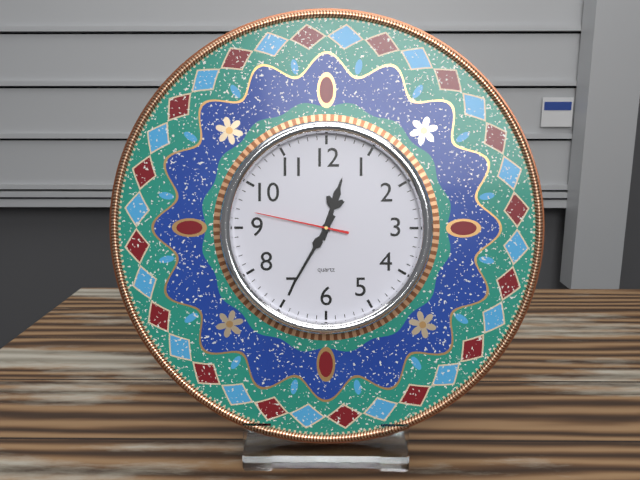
{"hour": 12, "minute": 35, "second": 47}
